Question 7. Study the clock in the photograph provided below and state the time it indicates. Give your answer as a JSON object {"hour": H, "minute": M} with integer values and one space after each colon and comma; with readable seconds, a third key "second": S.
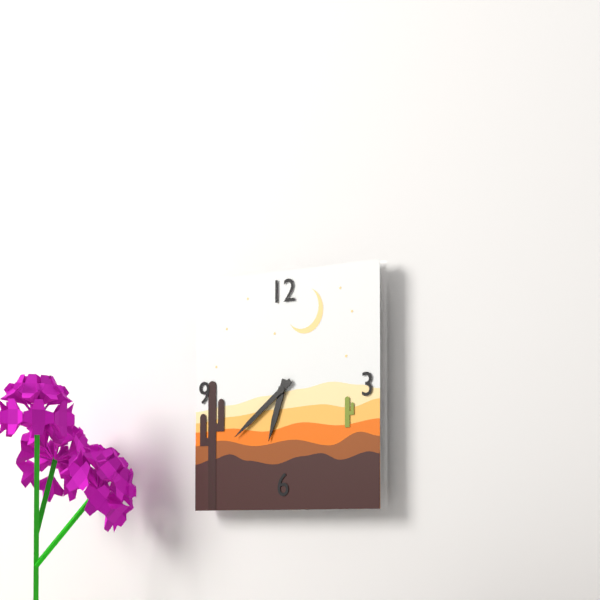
{"hour": 6, "minute": 39}
